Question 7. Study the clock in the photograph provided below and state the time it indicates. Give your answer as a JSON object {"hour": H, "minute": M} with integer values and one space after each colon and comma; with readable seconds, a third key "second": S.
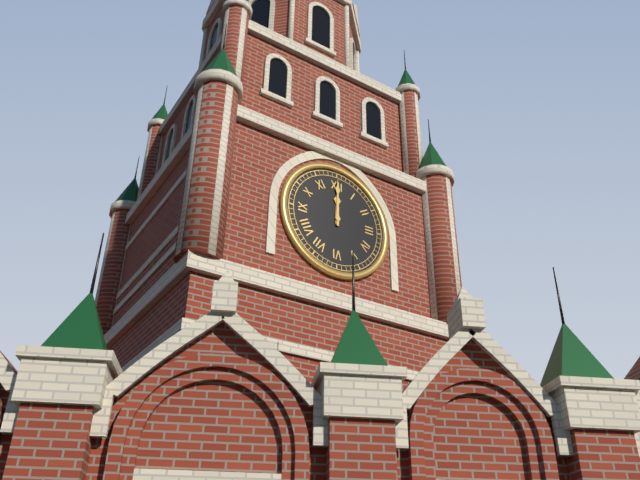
{"hour": 12, "minute": 0}
